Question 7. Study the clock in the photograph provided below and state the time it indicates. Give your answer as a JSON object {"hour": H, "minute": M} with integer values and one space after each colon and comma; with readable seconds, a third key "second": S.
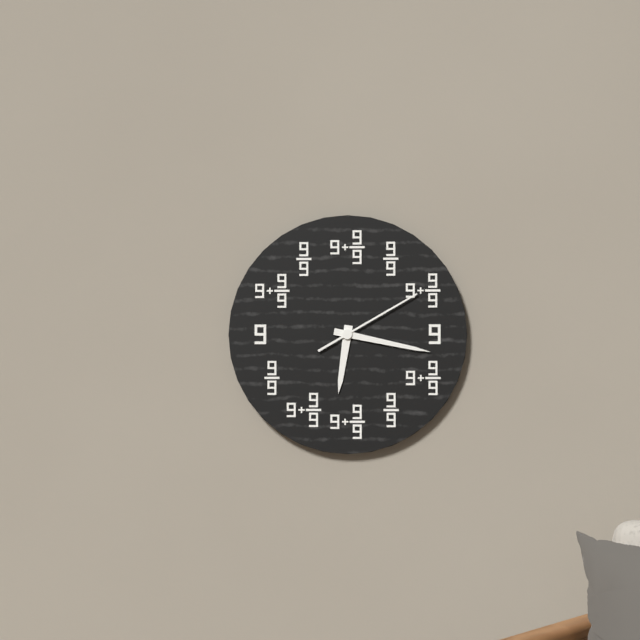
{"hour": 6, "minute": 17, "second": 10}
